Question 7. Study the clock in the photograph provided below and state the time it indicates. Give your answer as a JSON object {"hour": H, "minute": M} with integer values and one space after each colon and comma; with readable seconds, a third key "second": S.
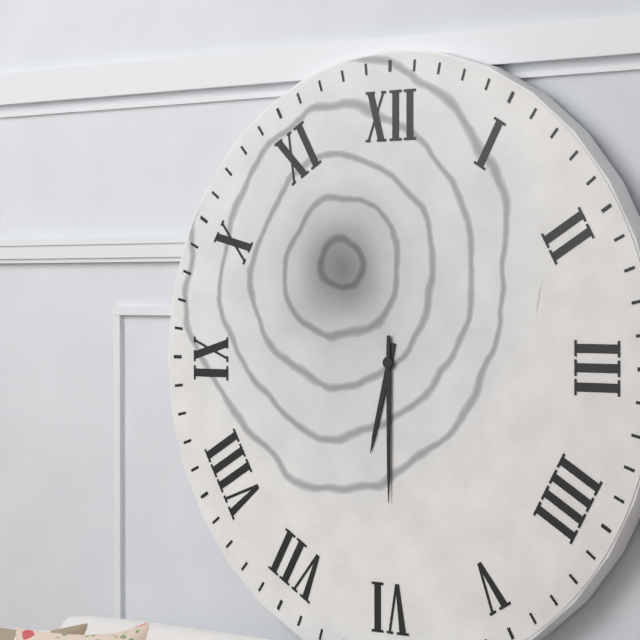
{"hour": 6, "minute": 30}
